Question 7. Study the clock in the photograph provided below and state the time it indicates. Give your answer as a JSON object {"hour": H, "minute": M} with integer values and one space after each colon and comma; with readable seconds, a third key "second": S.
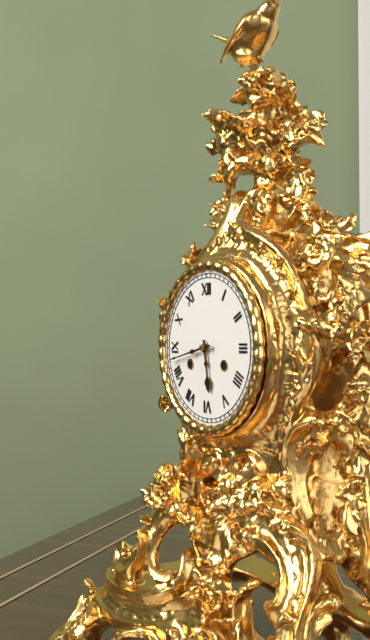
{"hour": 5, "minute": 43}
